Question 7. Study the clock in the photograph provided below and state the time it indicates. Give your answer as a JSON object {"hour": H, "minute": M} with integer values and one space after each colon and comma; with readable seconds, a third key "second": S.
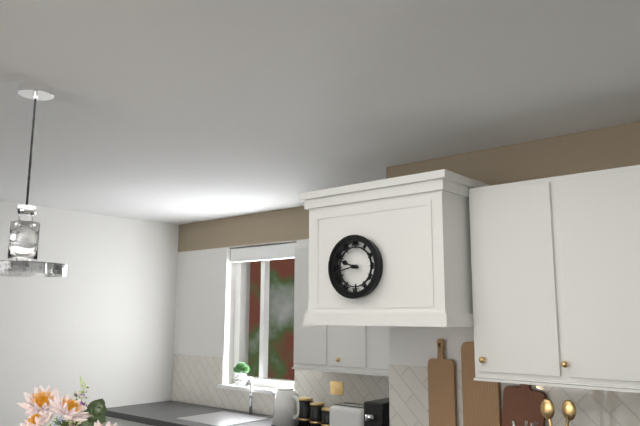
{"hour": 9, "minute": 43}
